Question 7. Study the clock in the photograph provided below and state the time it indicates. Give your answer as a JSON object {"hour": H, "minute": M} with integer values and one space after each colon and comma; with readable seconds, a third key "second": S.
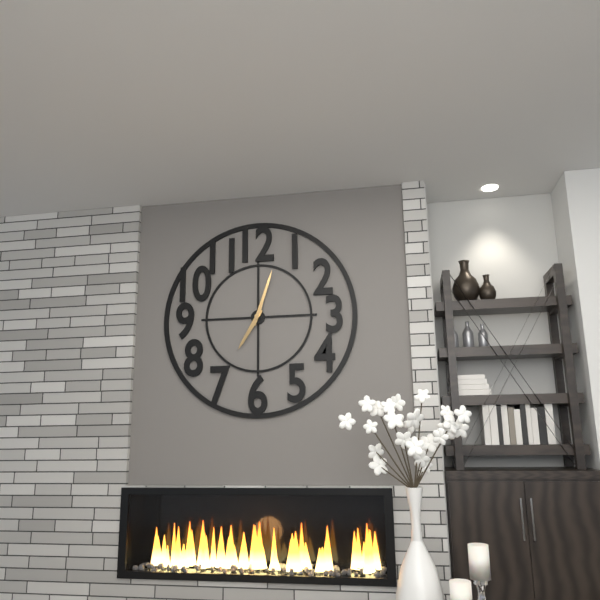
{"hour": 7, "minute": 3}
